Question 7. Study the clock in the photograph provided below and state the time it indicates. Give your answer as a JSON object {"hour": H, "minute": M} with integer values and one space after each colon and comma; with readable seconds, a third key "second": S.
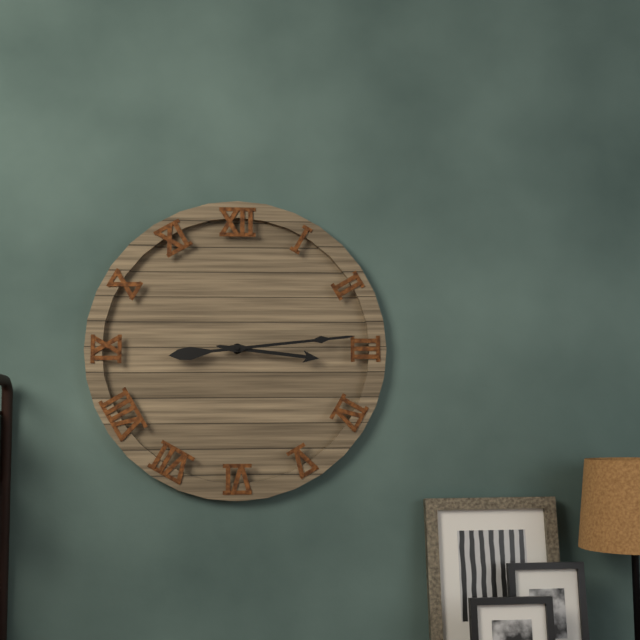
{"hour": 3, "minute": 14}
